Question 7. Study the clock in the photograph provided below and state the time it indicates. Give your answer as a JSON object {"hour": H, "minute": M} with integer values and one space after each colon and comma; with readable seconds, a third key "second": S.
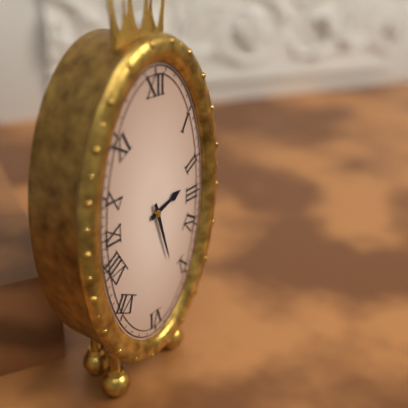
{"hour": 2, "minute": 27}
